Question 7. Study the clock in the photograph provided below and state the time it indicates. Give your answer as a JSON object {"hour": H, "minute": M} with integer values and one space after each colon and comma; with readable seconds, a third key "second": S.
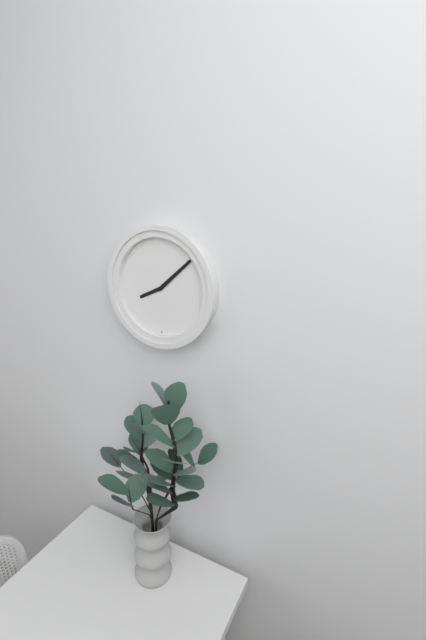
{"hour": 8, "minute": 8}
